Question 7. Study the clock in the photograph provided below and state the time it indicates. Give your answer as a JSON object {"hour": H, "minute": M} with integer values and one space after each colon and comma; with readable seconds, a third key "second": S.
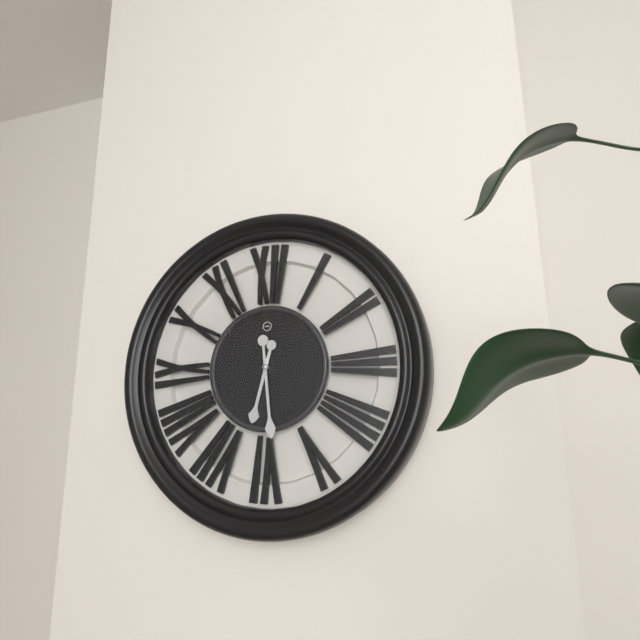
{"hour": 6, "minute": 29}
